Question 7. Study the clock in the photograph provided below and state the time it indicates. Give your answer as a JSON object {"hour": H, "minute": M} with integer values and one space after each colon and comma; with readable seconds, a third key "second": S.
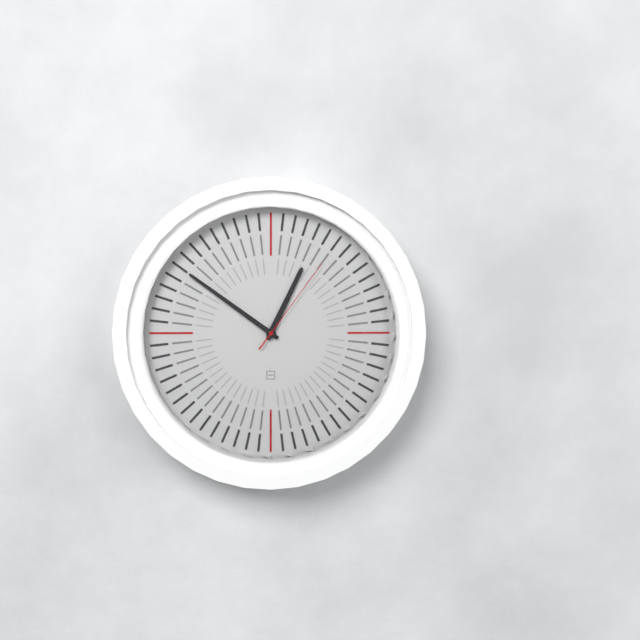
{"hour": 12, "minute": 51, "second": 6}
